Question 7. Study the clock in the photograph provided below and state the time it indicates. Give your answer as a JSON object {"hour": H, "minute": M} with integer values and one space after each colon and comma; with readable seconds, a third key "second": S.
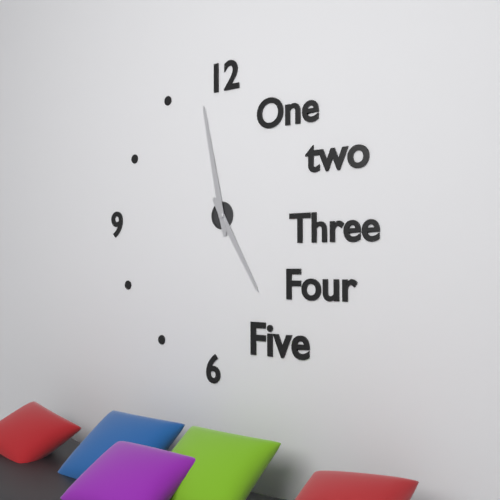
{"hour": 4, "minute": 58}
